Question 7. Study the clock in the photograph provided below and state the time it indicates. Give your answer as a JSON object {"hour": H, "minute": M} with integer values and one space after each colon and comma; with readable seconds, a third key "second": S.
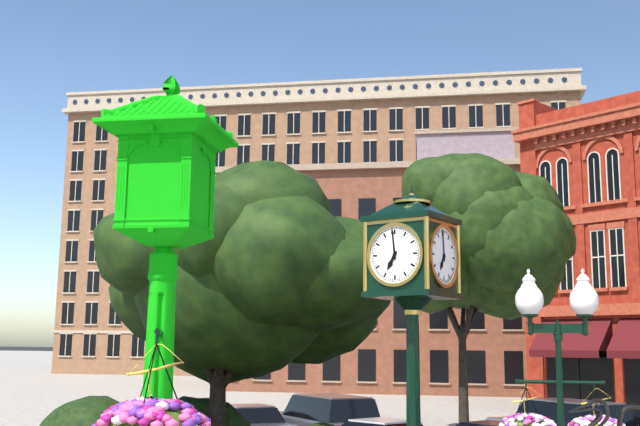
{"hour": 6, "minute": 59}
